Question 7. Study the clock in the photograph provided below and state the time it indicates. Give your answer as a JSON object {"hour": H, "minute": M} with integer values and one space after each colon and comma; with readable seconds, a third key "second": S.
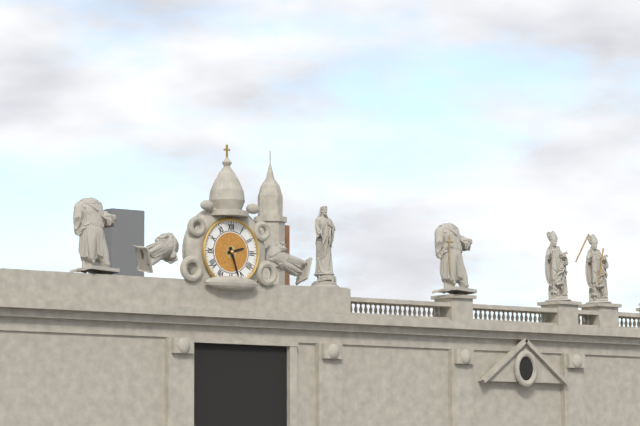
{"hour": 2, "minute": 27}
